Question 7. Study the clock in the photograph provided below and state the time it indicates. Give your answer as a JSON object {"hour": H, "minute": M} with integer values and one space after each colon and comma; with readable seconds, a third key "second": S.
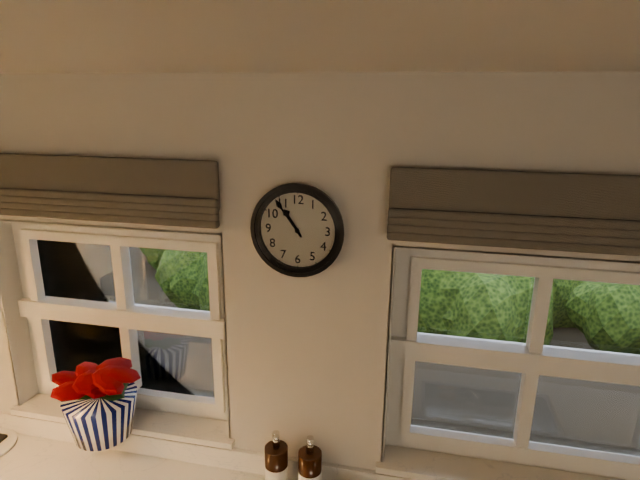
{"hour": 10, "minute": 54}
